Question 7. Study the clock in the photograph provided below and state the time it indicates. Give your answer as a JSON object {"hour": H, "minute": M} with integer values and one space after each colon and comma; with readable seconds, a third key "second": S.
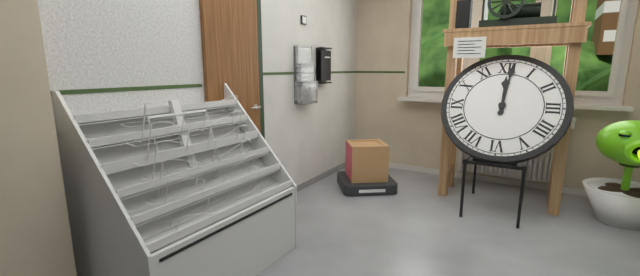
{"hour": 12, "minute": 1}
